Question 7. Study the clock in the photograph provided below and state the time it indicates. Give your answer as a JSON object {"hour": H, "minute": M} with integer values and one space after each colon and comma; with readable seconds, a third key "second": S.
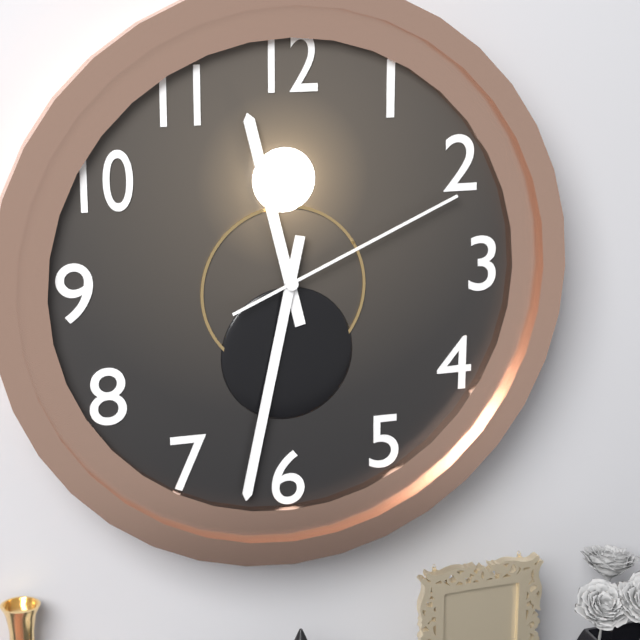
{"hour": 11, "minute": 32, "second": 11}
